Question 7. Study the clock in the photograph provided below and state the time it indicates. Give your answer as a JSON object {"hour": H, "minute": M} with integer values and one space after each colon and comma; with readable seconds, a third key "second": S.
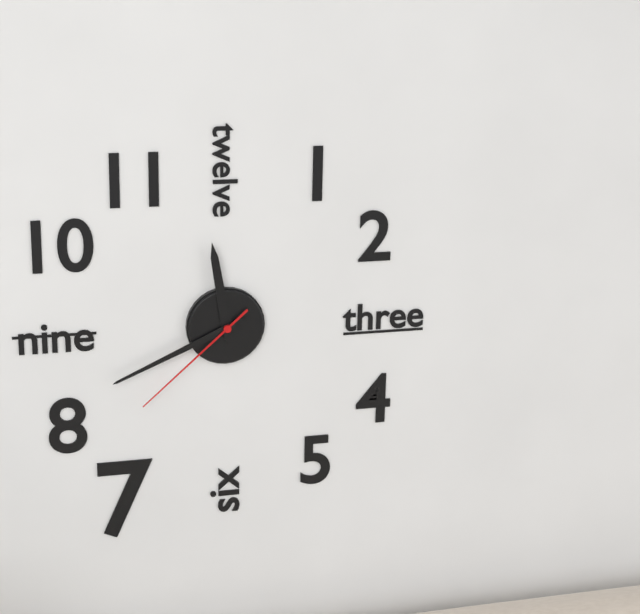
{"hour": 11, "minute": 41, "second": 38}
